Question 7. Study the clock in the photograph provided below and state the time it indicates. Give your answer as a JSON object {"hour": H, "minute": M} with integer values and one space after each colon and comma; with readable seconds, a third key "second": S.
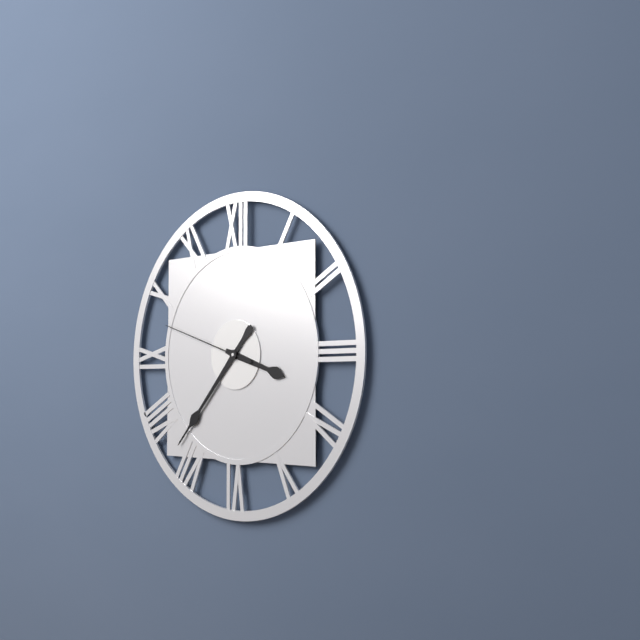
{"hour": 3, "minute": 37, "second": 48}
